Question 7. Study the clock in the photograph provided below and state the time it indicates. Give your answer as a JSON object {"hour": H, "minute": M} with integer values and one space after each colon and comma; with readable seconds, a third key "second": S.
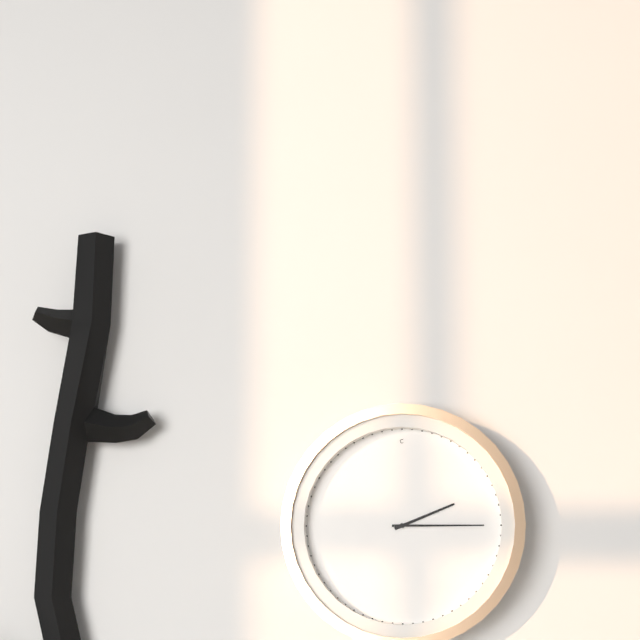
{"hour": 2, "minute": 15}
